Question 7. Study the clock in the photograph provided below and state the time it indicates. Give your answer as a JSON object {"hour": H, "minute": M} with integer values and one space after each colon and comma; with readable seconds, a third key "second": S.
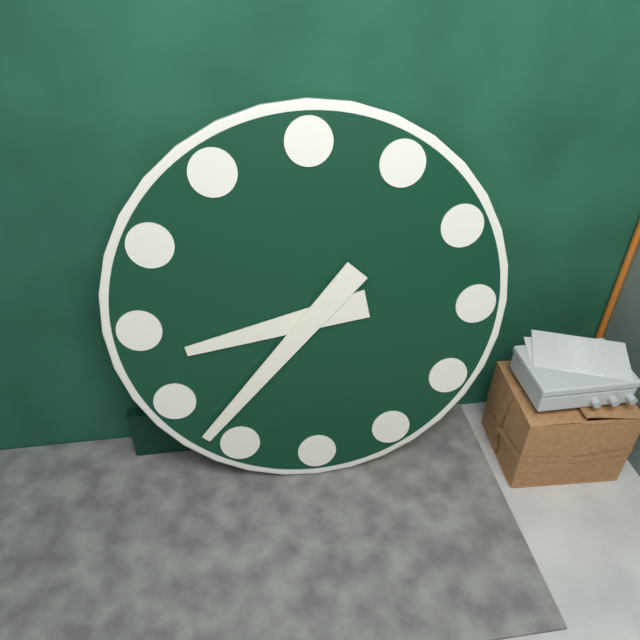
{"hour": 8, "minute": 37}
